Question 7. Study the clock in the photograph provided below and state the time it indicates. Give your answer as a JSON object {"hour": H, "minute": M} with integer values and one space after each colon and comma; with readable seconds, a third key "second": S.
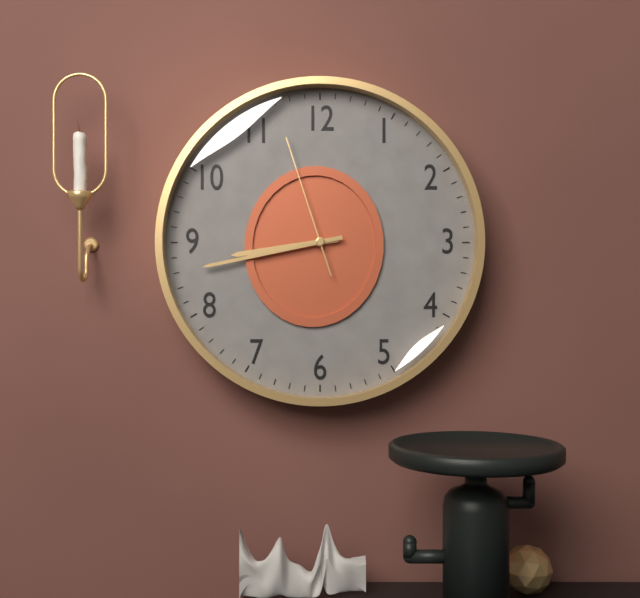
{"hour": 8, "minute": 43, "second": 57}
